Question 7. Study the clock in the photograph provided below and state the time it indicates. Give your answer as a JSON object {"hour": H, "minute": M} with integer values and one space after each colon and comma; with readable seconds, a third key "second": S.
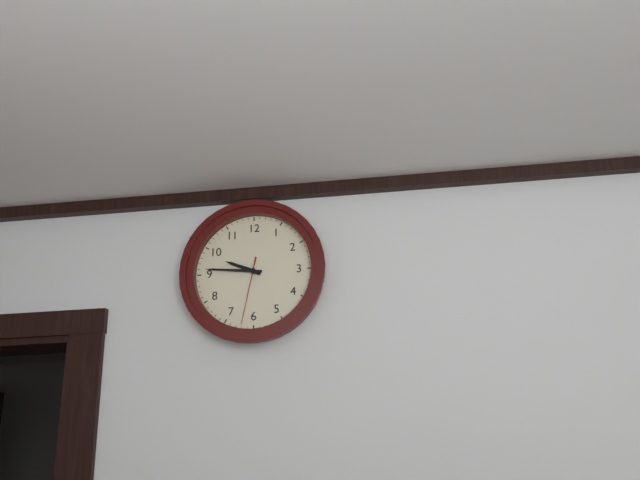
{"hour": 9, "minute": 46, "second": 32}
